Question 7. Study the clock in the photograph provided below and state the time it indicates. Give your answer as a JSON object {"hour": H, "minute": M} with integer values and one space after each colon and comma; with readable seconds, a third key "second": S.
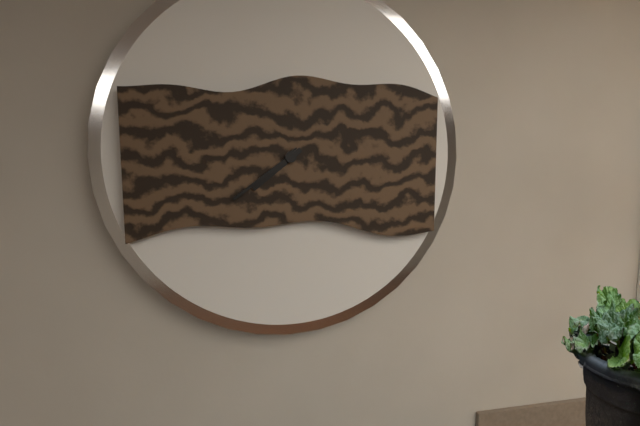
{"hour": 7, "minute": 39}
